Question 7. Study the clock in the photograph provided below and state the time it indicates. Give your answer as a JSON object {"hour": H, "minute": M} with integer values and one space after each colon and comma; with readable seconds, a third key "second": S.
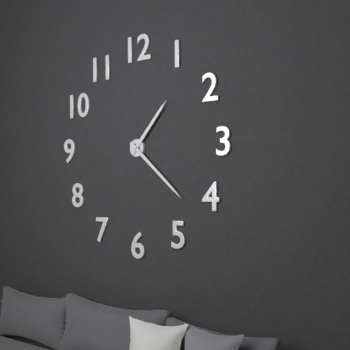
{"hour": 1, "minute": 22}
